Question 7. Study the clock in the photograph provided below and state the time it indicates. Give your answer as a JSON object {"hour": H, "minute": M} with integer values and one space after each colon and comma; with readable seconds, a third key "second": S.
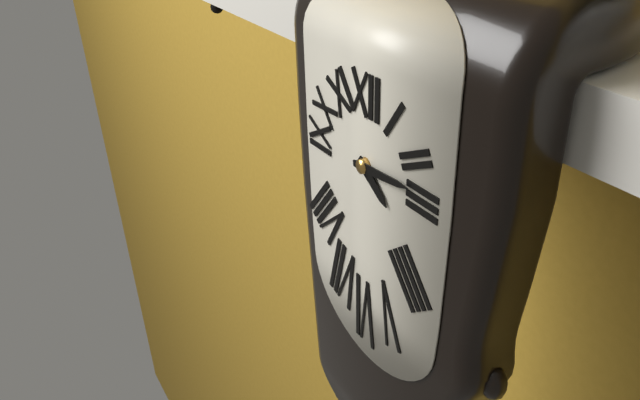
{"hour": 4, "minute": 14}
